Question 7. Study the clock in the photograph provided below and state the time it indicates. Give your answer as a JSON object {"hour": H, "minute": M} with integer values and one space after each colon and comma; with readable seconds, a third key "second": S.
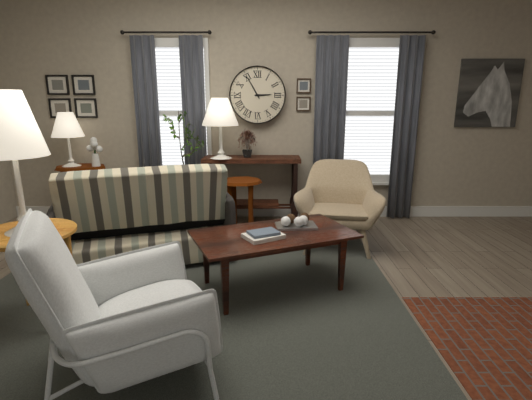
{"hour": 2, "minute": 55}
